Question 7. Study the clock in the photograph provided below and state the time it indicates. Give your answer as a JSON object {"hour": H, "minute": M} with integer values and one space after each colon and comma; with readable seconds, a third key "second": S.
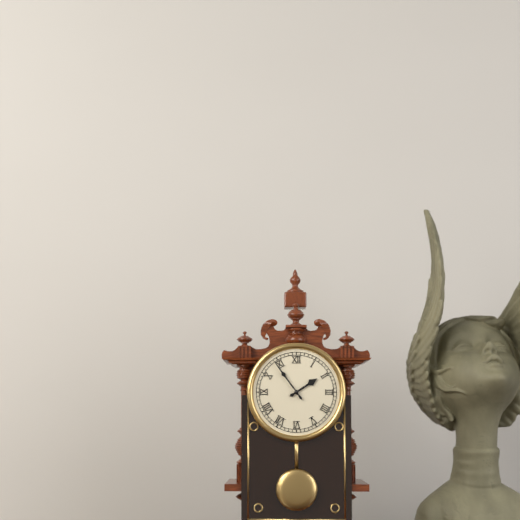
{"hour": 1, "minute": 54}
